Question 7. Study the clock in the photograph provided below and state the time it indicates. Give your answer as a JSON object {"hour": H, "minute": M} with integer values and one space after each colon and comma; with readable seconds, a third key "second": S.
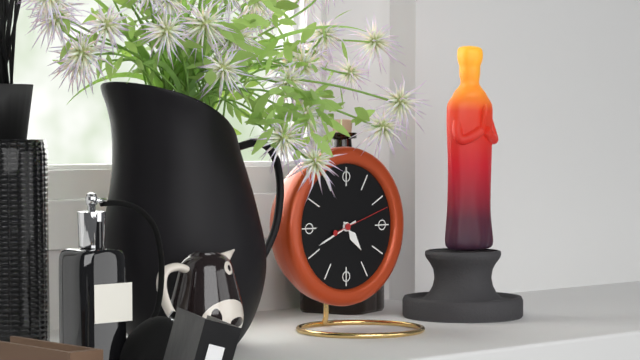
{"hour": 4, "minute": 41, "second": 12}
